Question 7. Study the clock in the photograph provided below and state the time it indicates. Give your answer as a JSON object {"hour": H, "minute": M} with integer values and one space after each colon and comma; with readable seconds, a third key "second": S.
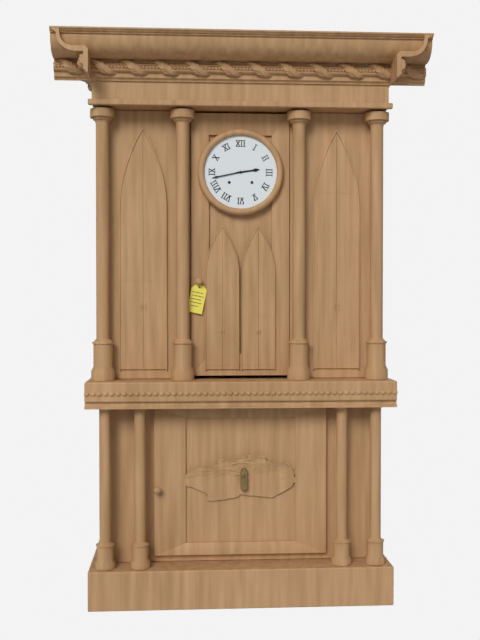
{"hour": 2, "minute": 43}
